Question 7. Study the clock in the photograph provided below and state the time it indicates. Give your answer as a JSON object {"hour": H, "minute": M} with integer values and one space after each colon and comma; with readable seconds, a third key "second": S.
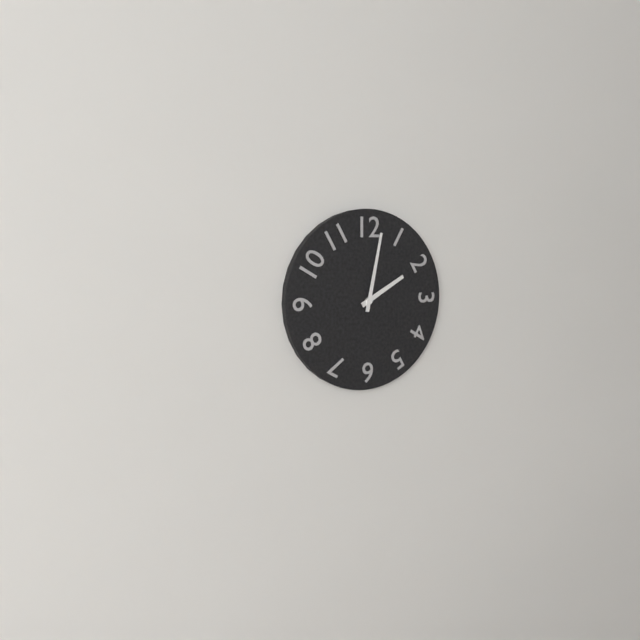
{"hour": 2, "minute": 2}
